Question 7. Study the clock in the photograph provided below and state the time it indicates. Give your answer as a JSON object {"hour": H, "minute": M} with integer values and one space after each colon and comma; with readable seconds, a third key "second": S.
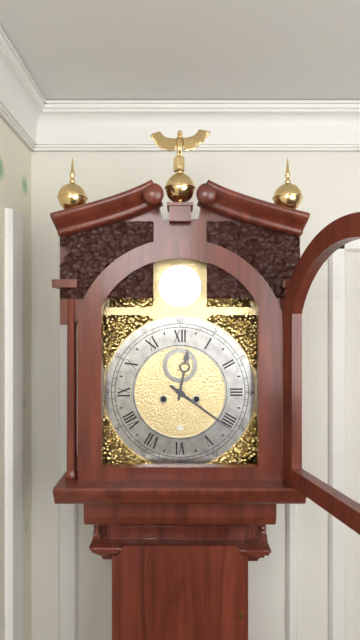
{"hour": 12, "minute": 21}
